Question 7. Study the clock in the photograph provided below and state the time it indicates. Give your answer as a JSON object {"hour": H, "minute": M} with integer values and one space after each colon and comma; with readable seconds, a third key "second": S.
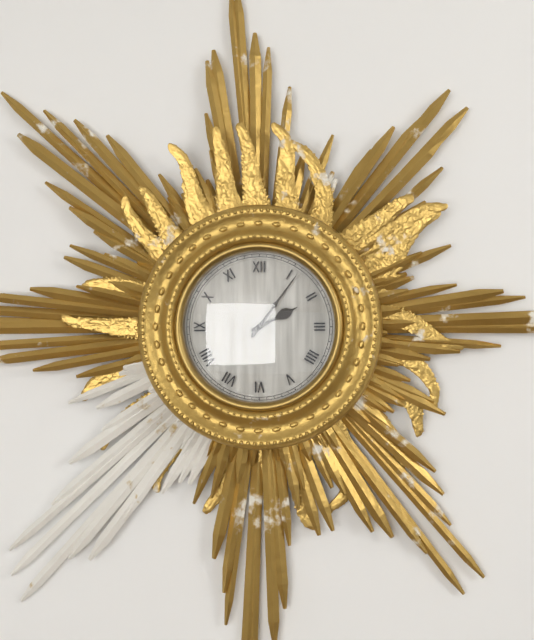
{"hour": 2, "minute": 6}
